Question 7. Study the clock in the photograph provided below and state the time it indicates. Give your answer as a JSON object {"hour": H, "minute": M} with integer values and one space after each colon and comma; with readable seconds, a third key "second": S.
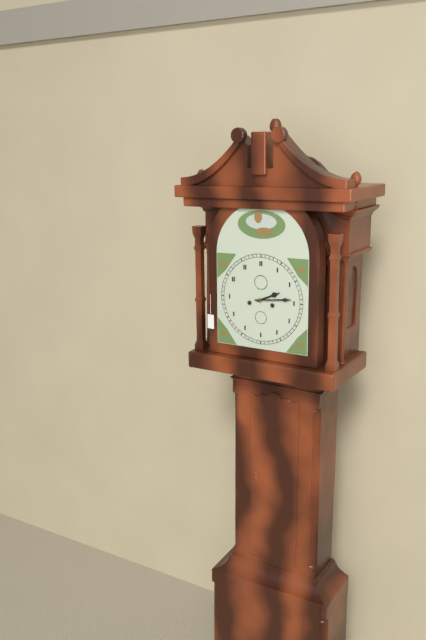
{"hour": 2, "minute": 14}
